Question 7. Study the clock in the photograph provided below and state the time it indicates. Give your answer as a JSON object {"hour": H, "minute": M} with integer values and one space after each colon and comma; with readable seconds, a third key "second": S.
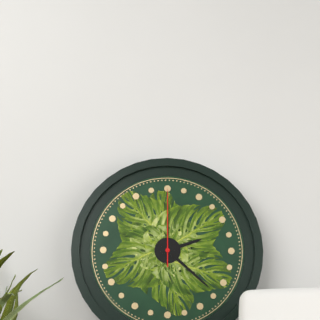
{"hour": 2, "minute": 22, "second": 0}
